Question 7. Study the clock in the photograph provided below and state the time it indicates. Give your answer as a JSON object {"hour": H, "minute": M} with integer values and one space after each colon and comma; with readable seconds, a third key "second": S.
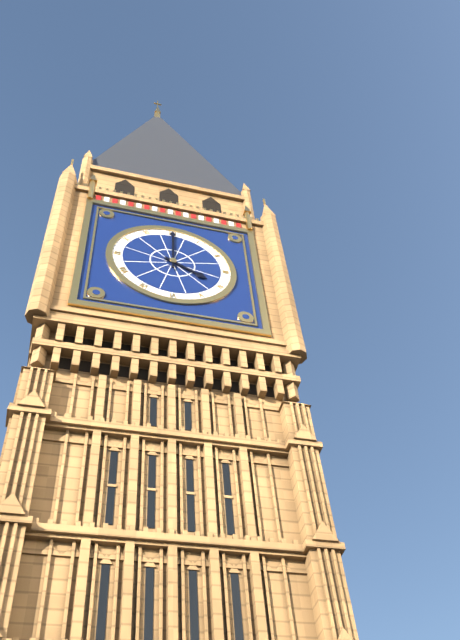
{"hour": 4, "minute": 0}
